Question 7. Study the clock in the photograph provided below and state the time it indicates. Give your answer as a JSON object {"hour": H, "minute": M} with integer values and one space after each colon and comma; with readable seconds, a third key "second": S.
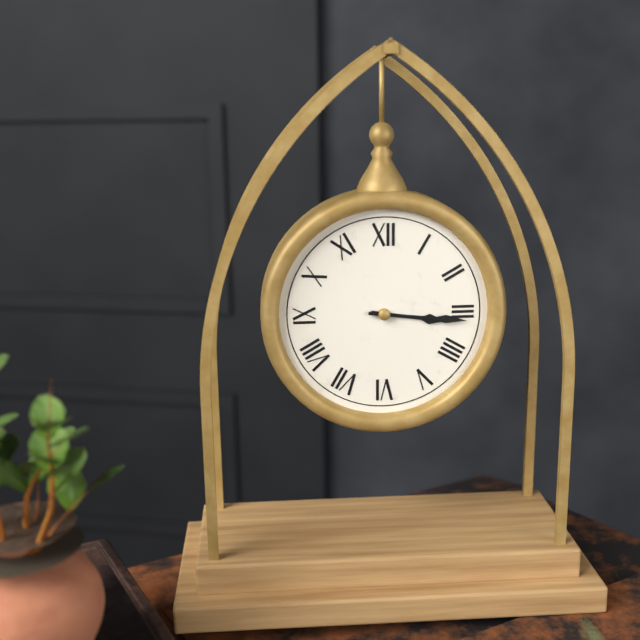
{"hour": 3, "minute": 16}
